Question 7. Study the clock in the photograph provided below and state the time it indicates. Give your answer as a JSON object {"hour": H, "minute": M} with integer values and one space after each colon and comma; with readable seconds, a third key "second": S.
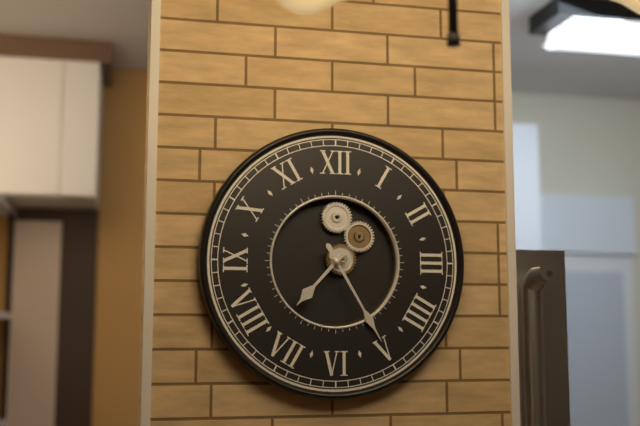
{"hour": 7, "minute": 25}
